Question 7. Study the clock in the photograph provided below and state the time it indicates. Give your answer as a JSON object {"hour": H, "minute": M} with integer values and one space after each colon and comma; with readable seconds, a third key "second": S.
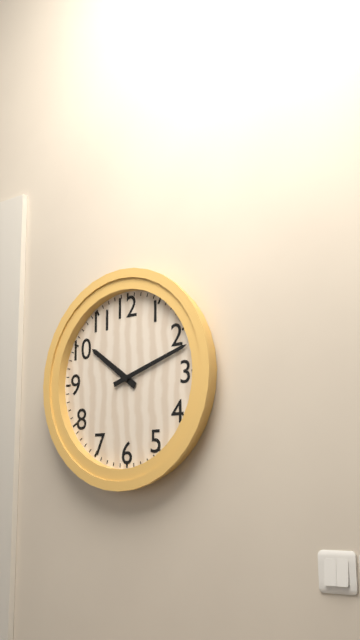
{"hour": 10, "minute": 12}
